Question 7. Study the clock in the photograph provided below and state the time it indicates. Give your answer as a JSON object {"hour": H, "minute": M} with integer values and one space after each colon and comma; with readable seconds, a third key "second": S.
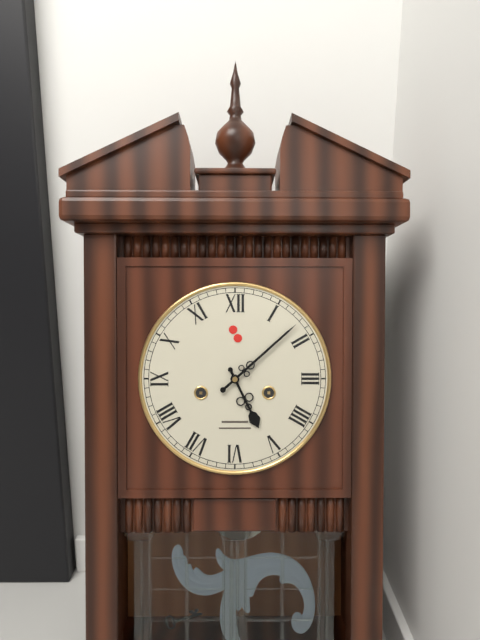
{"hour": 5, "minute": 8}
